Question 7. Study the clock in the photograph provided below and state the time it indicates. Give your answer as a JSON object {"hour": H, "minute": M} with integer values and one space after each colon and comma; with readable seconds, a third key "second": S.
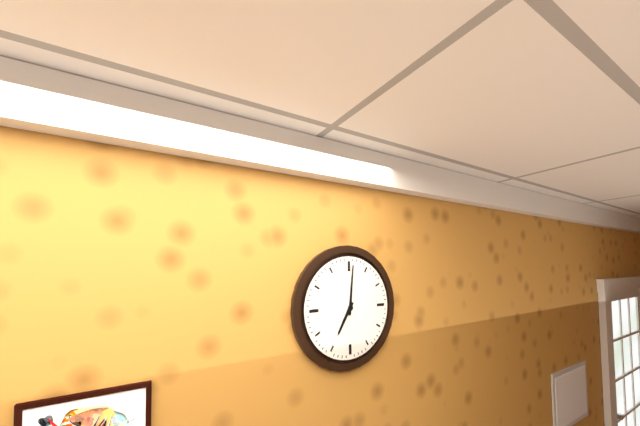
{"hour": 7, "minute": 1}
